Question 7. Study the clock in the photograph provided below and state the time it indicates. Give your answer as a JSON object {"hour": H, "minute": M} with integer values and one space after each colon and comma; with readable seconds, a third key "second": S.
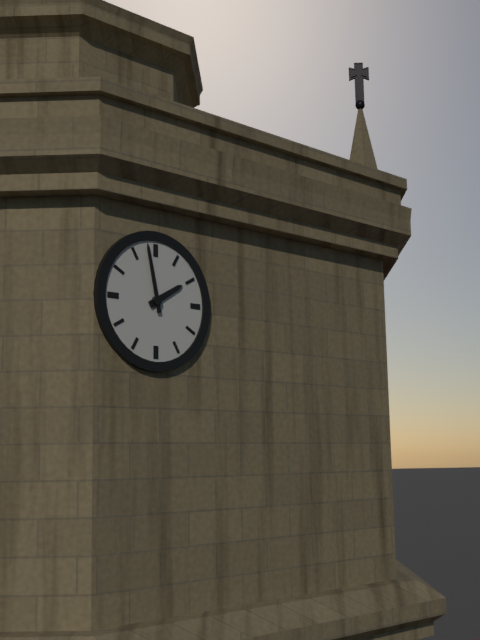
{"hour": 1, "minute": 58}
